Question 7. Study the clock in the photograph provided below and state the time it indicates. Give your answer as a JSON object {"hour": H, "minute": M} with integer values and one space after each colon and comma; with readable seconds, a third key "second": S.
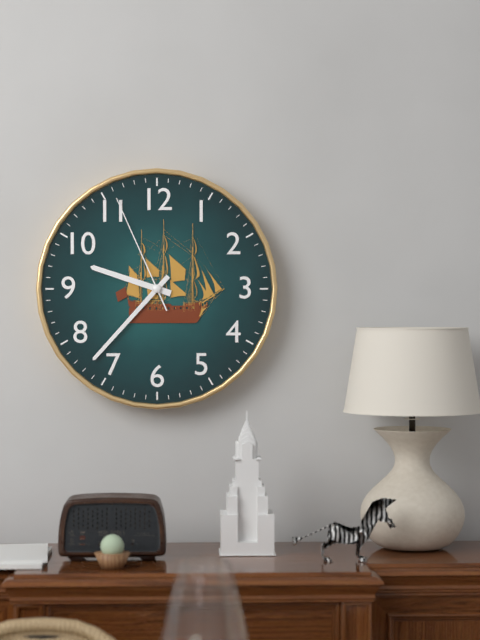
{"hour": 9, "minute": 37, "second": 56}
